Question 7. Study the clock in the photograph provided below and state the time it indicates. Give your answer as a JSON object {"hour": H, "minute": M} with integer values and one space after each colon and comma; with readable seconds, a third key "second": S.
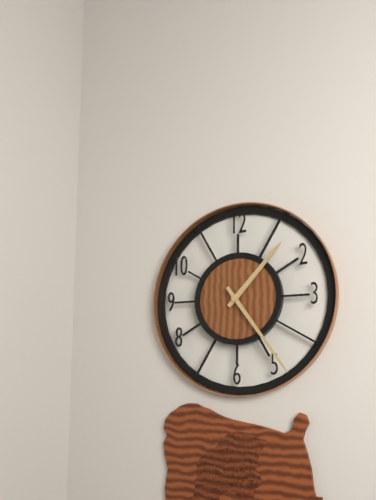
{"hour": 1, "minute": 24}
